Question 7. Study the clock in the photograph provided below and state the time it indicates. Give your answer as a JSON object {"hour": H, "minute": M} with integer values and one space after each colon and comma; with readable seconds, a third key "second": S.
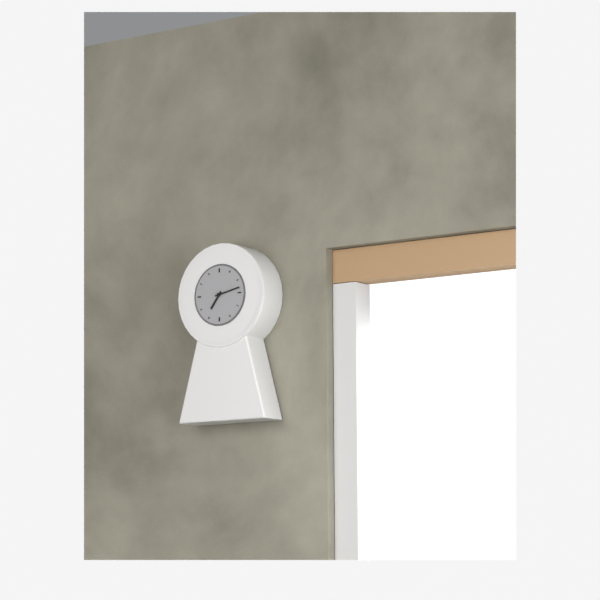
{"hour": 7, "minute": 13}
